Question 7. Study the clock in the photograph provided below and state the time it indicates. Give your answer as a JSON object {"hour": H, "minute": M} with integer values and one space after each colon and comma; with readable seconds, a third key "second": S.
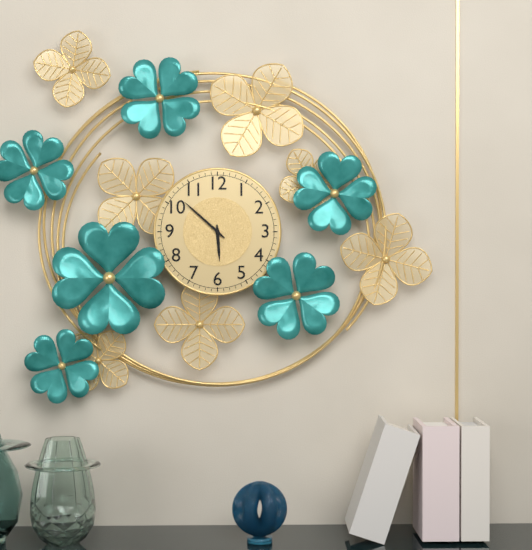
{"hour": 5, "minute": 52}
